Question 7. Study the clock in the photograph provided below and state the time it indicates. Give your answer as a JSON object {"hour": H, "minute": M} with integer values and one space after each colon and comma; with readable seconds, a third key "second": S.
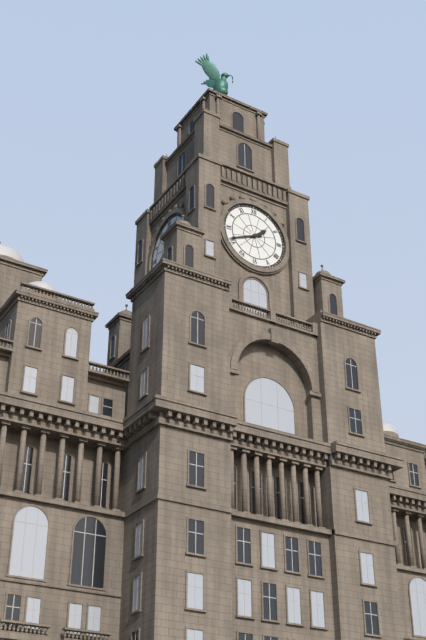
{"hour": 1, "minute": 41}
